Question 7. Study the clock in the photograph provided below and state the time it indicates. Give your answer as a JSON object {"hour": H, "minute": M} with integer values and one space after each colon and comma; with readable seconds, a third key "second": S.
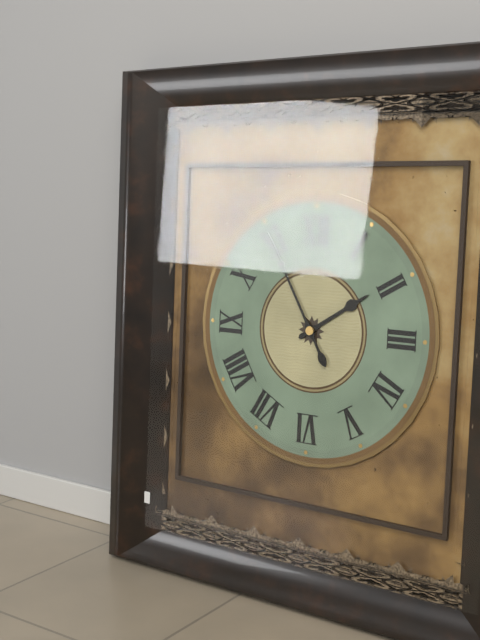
{"hour": 1, "minute": 55}
